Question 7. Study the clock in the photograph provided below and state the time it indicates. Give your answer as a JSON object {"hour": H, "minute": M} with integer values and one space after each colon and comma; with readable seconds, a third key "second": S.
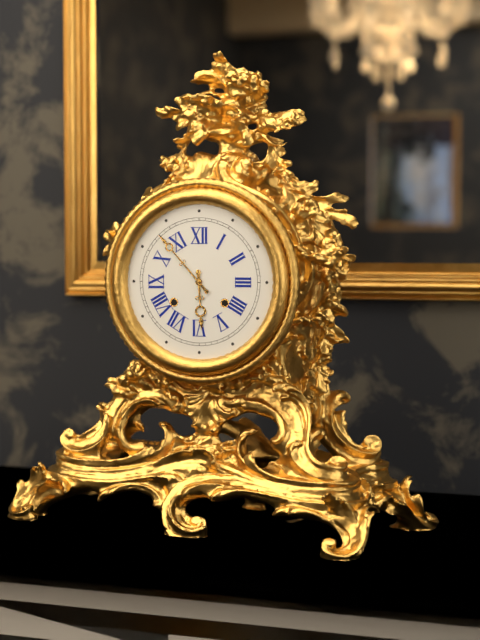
{"hour": 5, "minute": 53}
